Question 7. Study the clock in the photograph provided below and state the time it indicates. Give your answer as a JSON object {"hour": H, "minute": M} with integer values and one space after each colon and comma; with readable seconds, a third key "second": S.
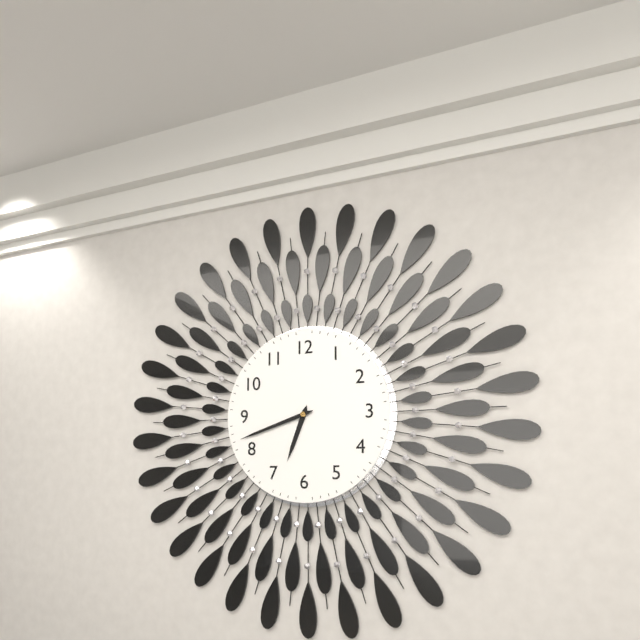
{"hour": 6, "minute": 42}
